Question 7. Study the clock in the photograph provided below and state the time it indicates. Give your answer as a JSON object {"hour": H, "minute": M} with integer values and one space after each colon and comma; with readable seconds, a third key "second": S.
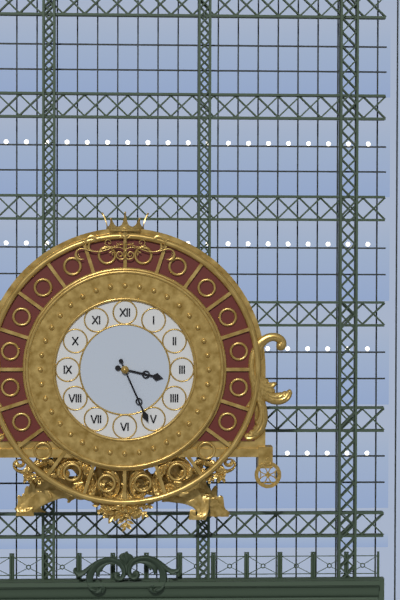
{"hour": 3, "minute": 26}
